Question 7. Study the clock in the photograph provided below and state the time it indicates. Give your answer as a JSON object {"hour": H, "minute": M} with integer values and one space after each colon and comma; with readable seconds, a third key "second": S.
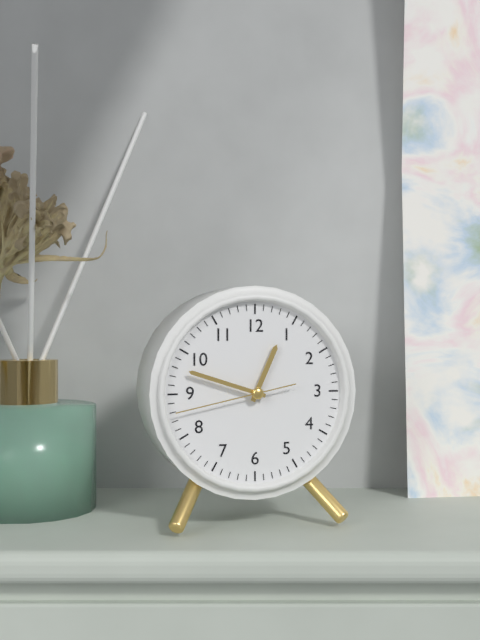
{"hour": 12, "minute": 48, "second": 43}
